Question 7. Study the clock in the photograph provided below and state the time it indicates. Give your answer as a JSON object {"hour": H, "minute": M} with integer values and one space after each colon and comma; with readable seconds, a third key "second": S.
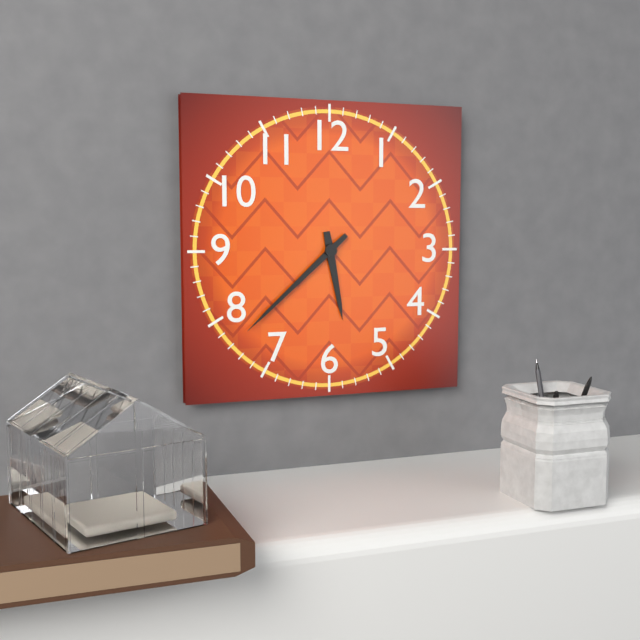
{"hour": 5, "minute": 38}
